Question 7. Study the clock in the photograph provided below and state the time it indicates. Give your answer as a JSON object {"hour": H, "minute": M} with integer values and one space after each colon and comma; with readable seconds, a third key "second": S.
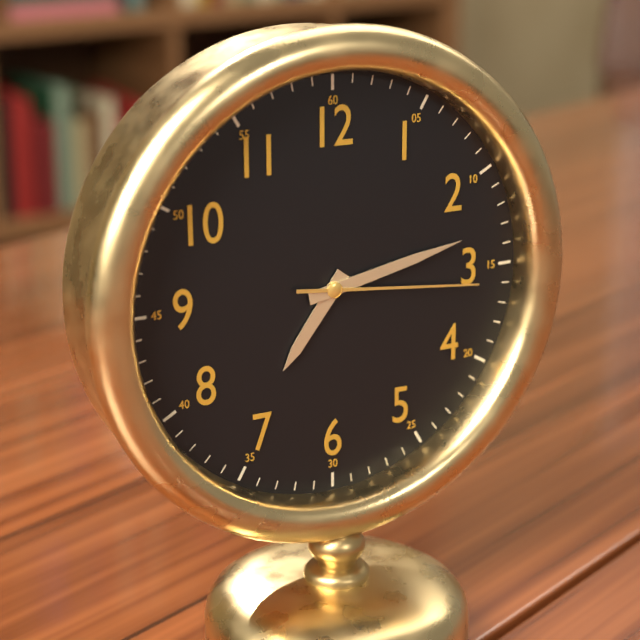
{"hour": 7, "minute": 13, "second": 16}
